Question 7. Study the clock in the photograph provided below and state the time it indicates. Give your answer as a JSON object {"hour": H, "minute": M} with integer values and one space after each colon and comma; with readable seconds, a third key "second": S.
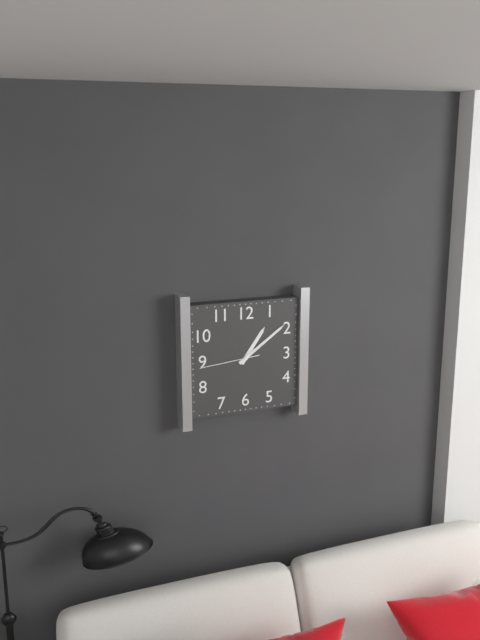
{"hour": 1, "minute": 9, "second": 44}
